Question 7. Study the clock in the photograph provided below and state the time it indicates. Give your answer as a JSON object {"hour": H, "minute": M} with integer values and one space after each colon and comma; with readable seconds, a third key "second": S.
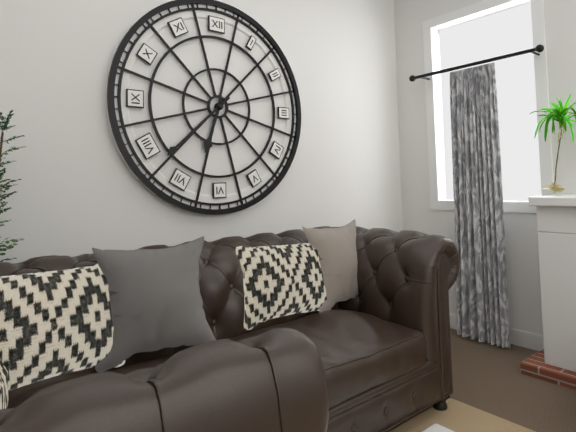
{"hour": 6, "minute": 38}
